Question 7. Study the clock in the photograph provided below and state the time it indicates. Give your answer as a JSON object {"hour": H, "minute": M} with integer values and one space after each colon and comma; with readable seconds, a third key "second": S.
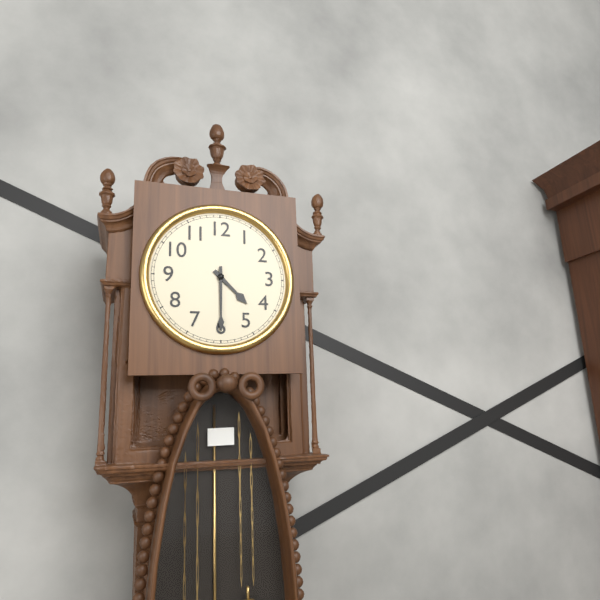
{"hour": 4, "minute": 30}
